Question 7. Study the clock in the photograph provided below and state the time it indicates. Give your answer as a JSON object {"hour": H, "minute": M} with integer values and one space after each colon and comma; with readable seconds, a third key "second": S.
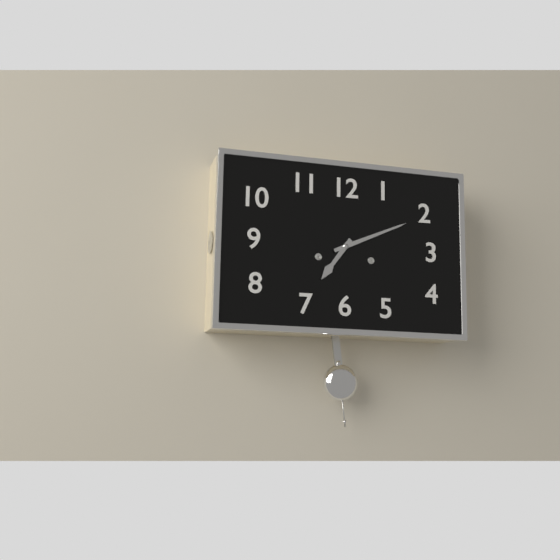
{"hour": 7, "minute": 11}
